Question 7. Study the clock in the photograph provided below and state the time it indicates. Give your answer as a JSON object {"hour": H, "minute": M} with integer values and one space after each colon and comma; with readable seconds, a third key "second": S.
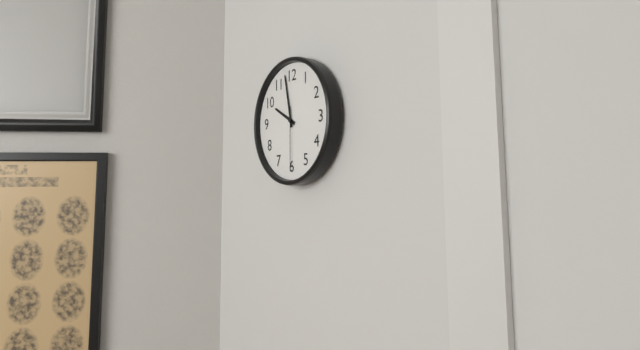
{"hour": 9, "minute": 58, "second": 30}
